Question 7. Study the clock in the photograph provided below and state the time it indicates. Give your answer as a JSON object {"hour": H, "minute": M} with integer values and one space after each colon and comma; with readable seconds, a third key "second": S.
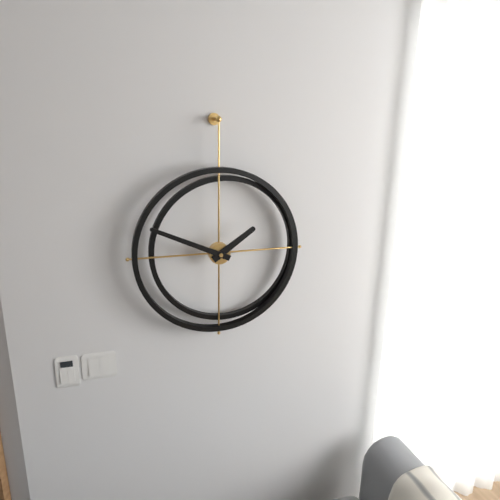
{"hour": 1, "minute": 49}
